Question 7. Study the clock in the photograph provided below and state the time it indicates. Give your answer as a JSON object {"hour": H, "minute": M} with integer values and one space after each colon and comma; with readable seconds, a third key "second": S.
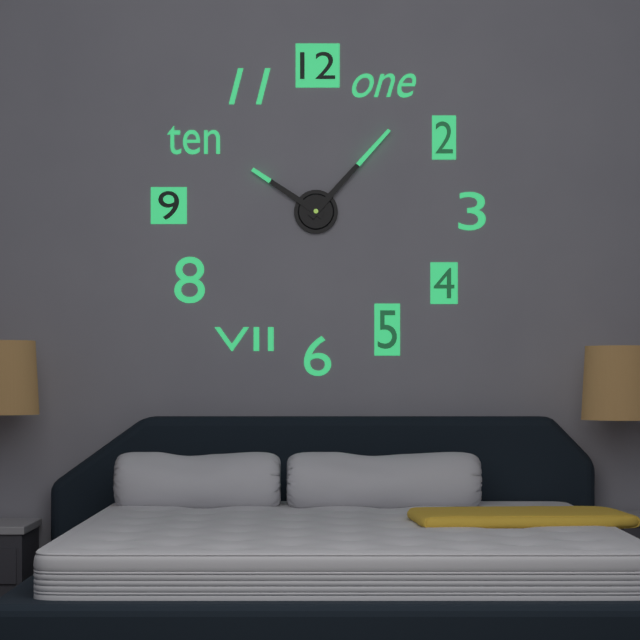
{"hour": 10, "minute": 7}
